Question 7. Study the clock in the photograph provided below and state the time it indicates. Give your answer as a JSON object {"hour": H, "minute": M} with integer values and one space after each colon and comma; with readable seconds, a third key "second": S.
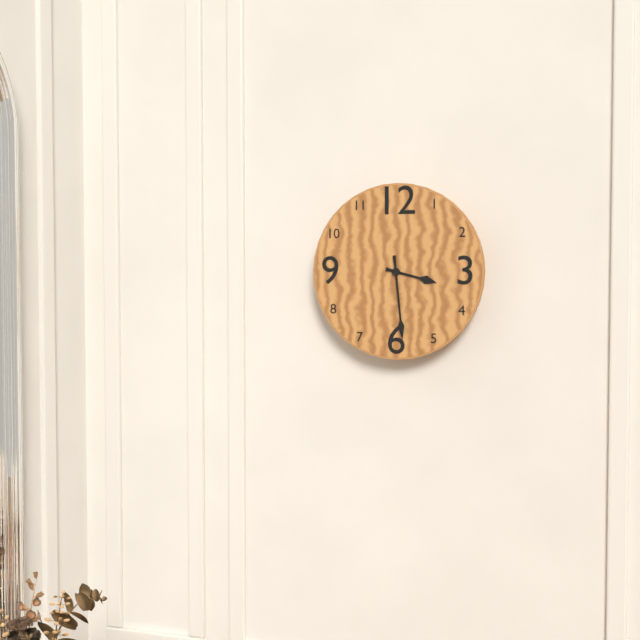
{"hour": 3, "minute": 29}
